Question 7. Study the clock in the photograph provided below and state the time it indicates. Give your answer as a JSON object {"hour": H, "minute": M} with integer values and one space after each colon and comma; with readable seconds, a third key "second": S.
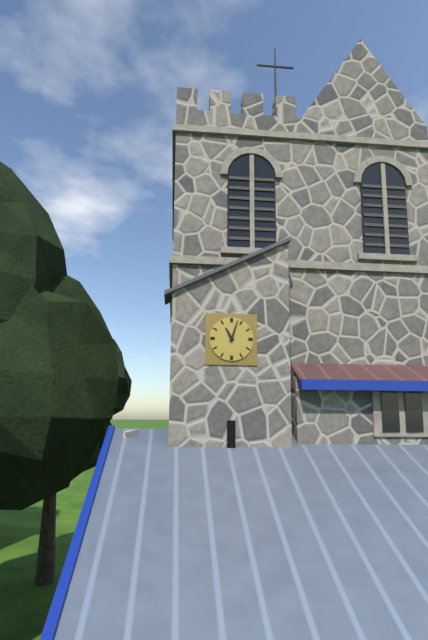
{"hour": 11, "minute": 3}
